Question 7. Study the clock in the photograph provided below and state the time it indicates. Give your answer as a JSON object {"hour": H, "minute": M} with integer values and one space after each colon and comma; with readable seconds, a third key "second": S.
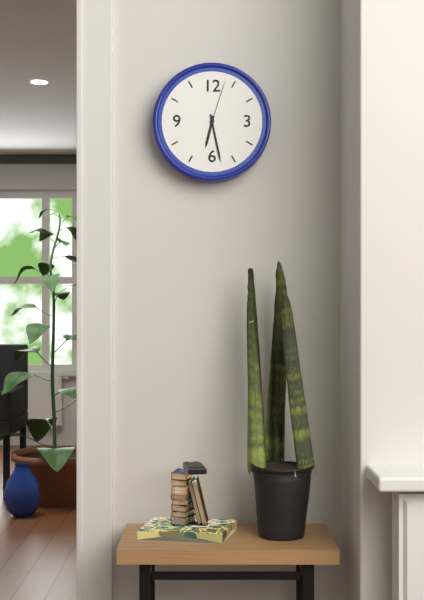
{"hour": 6, "minute": 28, "second": 3}
